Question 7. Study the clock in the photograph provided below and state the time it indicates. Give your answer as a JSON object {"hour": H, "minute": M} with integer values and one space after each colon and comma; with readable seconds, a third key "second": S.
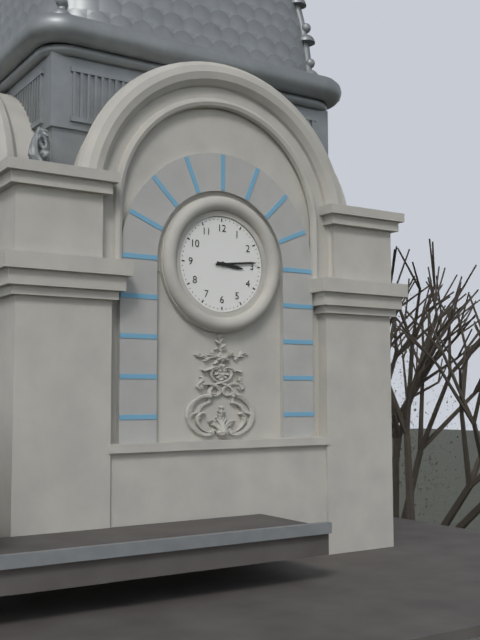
{"hour": 3, "minute": 14}
